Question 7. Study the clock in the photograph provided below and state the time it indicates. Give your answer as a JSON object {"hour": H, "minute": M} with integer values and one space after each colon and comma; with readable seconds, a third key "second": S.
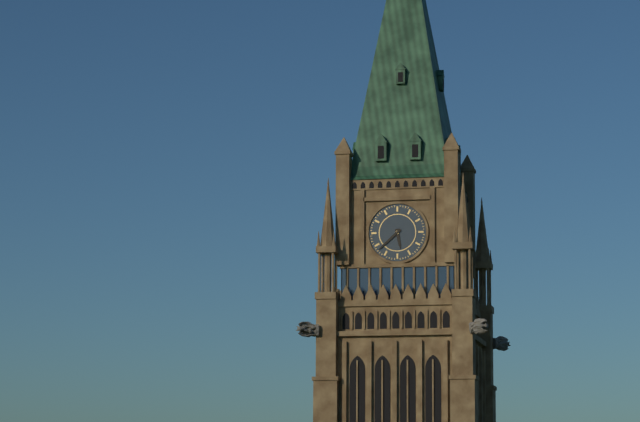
{"hour": 5, "minute": 38}
